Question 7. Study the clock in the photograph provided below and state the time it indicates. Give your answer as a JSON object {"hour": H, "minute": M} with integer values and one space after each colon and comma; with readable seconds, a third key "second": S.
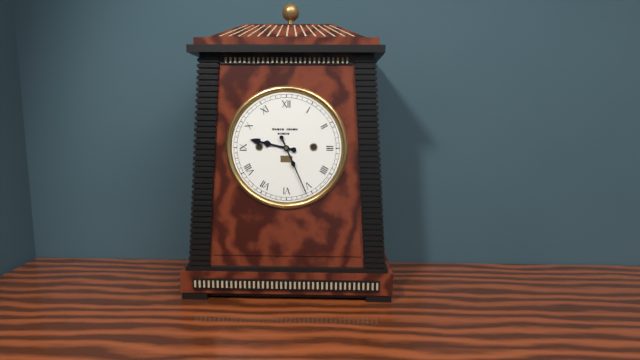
{"hour": 9, "minute": 26}
